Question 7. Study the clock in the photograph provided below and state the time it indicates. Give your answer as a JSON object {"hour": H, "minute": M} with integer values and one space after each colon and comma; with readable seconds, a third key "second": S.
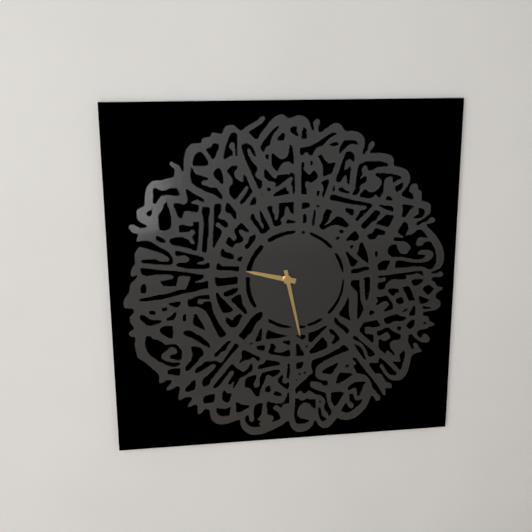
{"hour": 9, "minute": 28}
